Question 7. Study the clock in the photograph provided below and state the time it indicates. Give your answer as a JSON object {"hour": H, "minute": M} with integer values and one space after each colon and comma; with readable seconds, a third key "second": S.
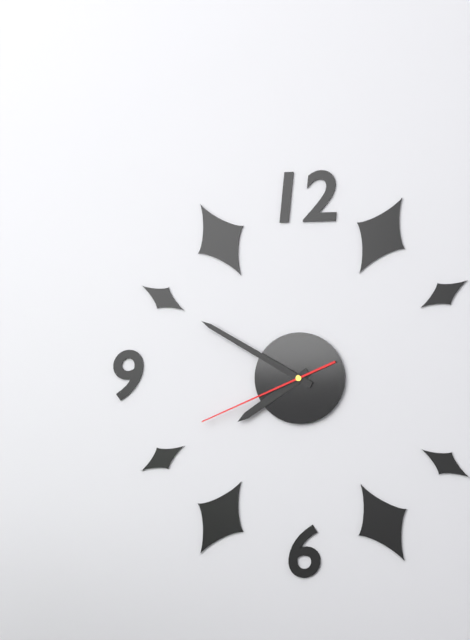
{"hour": 7, "minute": 50, "second": 41}
